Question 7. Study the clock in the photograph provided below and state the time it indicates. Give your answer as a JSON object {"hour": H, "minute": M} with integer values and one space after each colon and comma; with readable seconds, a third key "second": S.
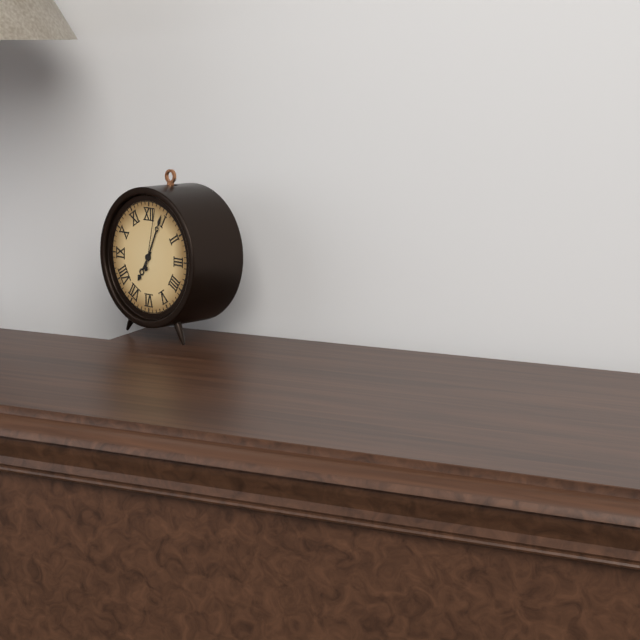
{"hour": 7, "minute": 4, "second": 2}
